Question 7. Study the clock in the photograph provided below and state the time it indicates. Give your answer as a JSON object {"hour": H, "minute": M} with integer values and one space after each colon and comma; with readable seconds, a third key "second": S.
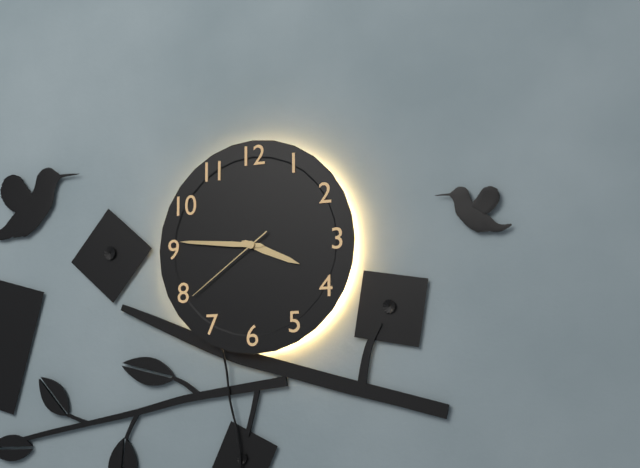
{"hour": 3, "minute": 46, "second": 39}
